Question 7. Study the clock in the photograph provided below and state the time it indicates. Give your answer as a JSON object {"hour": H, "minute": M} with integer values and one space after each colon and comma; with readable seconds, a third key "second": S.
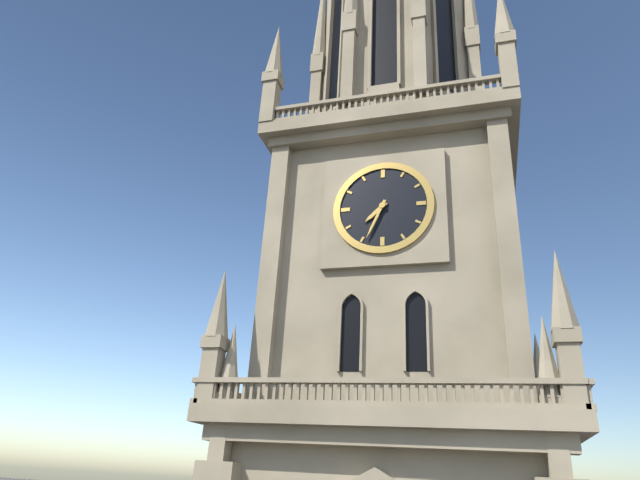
{"hour": 7, "minute": 34}
